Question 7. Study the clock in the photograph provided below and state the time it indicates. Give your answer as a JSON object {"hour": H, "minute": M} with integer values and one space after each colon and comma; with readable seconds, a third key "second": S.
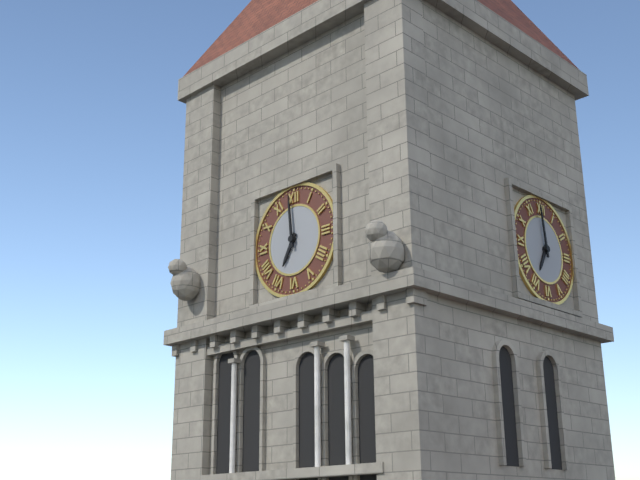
{"hour": 6, "minute": 59}
